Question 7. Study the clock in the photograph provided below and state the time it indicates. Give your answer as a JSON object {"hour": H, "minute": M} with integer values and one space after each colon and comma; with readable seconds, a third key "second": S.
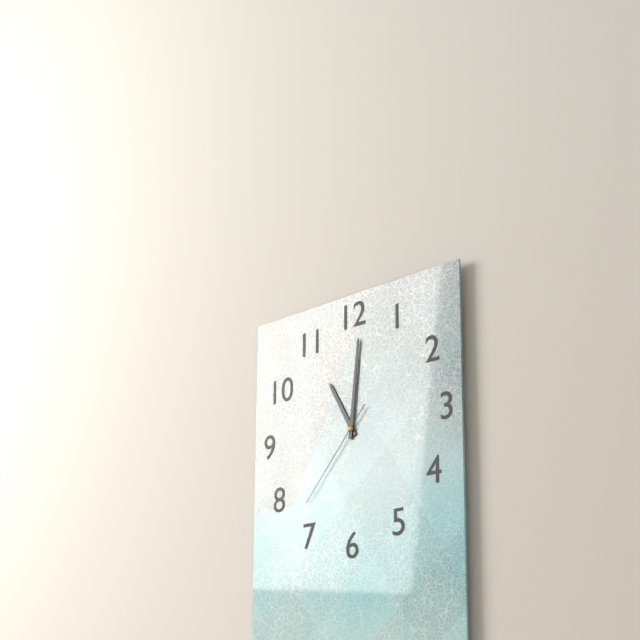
{"hour": 11, "minute": 1, "second": 37}
